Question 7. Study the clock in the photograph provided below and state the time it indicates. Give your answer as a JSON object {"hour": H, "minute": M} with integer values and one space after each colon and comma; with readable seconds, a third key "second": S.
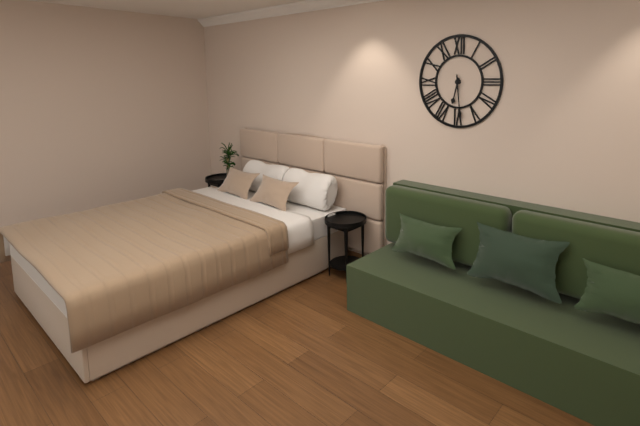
{"hour": 6, "minute": 29}
